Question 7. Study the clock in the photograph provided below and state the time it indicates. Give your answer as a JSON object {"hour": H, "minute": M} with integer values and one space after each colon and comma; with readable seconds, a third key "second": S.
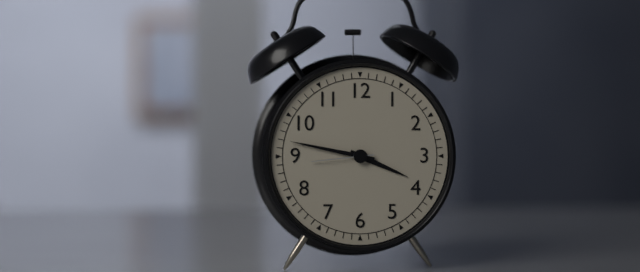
{"hour": 3, "minute": 47, "second": 44}
